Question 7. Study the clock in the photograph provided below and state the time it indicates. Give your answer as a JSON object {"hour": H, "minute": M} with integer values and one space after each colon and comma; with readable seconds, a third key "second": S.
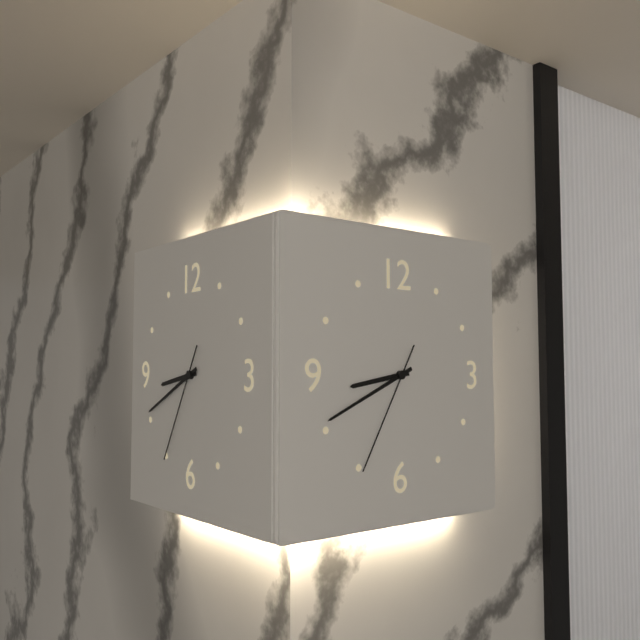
{"hour": 8, "minute": 41, "second": 35}
